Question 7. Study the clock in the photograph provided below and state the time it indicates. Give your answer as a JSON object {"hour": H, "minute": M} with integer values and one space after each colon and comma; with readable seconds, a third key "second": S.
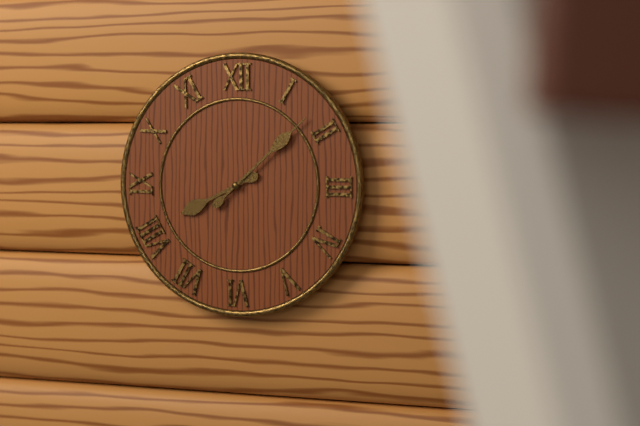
{"hour": 8, "minute": 8}
